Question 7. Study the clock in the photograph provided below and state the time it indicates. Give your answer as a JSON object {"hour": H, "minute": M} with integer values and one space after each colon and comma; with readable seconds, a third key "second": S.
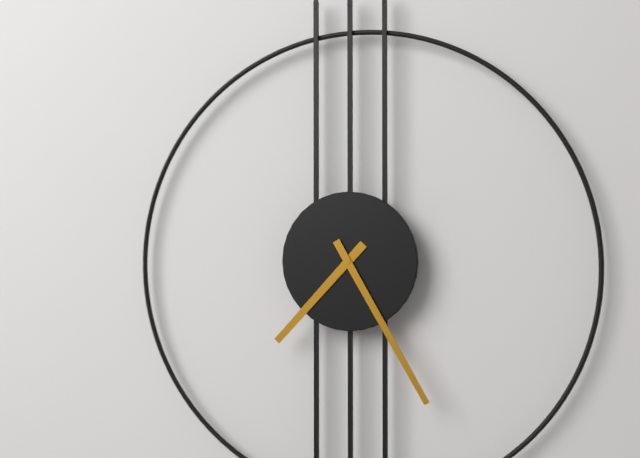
{"hour": 7, "minute": 25}
